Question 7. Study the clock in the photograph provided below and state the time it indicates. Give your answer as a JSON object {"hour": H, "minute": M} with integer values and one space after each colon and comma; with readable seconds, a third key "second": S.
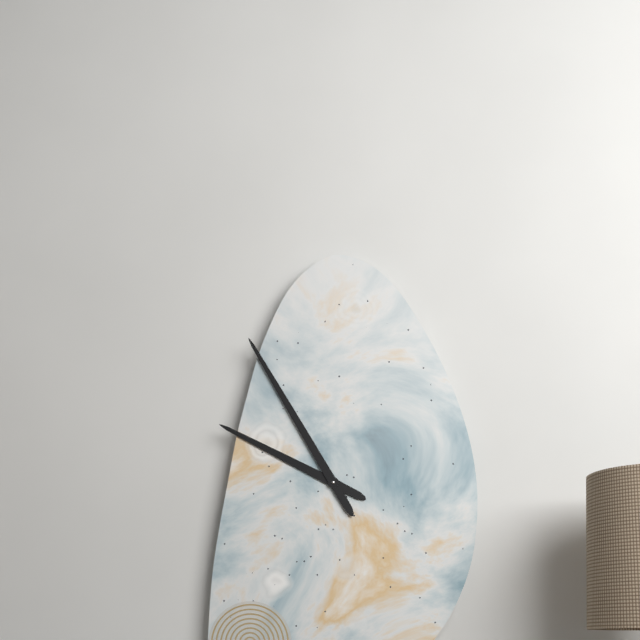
{"hour": 9, "minute": 55}
